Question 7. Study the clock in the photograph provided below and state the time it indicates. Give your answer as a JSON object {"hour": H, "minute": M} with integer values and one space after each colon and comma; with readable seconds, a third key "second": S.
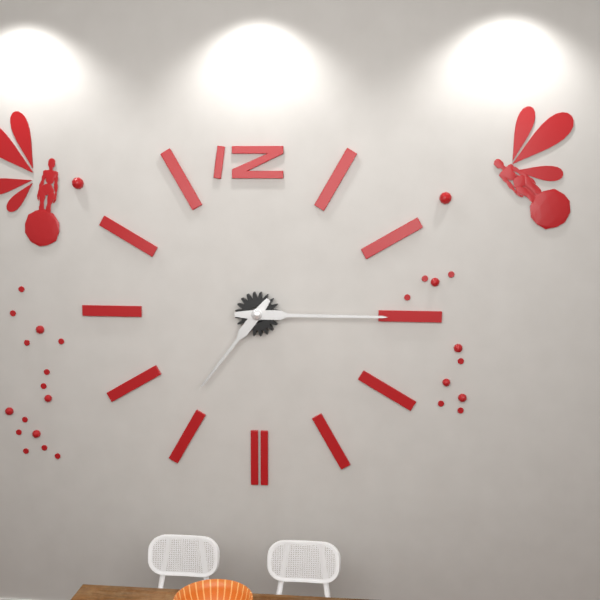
{"hour": 7, "minute": 15}
